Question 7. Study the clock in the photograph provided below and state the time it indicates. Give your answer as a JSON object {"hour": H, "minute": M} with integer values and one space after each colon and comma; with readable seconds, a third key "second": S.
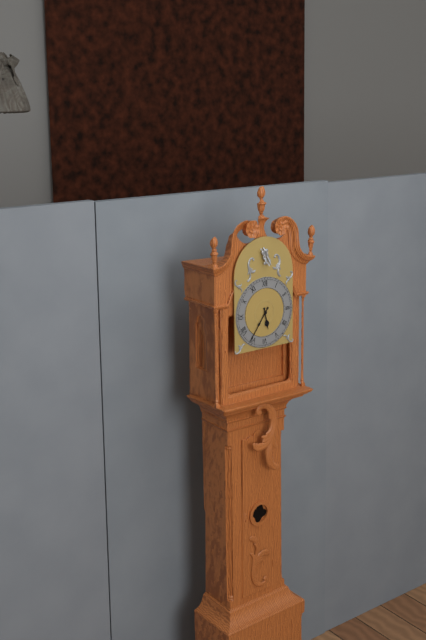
{"hour": 5, "minute": 36}
